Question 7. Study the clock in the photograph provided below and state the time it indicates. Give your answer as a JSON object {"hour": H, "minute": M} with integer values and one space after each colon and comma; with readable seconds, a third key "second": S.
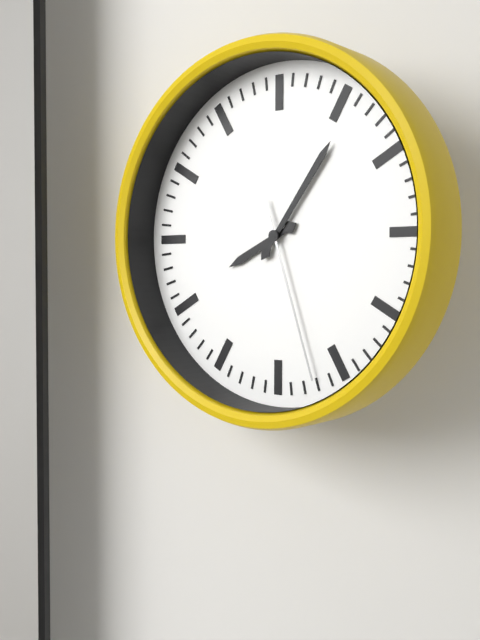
{"hour": 8, "minute": 6, "second": 27}
